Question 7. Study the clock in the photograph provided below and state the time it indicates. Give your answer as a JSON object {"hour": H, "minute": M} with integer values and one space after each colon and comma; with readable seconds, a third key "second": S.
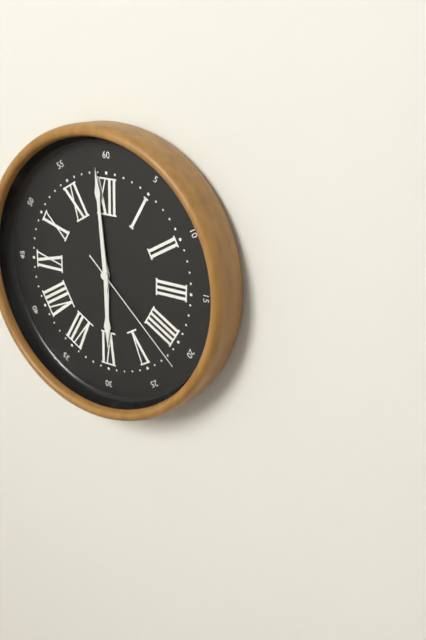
{"hour": 5, "minute": 59, "second": 22}
